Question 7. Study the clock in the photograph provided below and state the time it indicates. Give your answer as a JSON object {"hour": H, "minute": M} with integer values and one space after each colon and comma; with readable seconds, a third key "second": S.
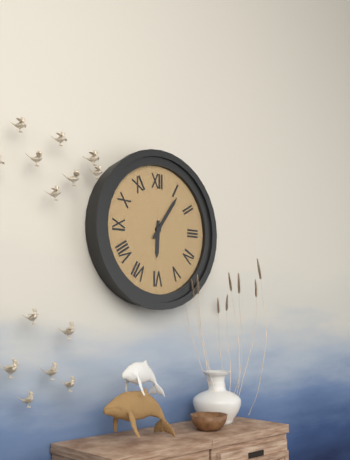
{"hour": 6, "minute": 6}
